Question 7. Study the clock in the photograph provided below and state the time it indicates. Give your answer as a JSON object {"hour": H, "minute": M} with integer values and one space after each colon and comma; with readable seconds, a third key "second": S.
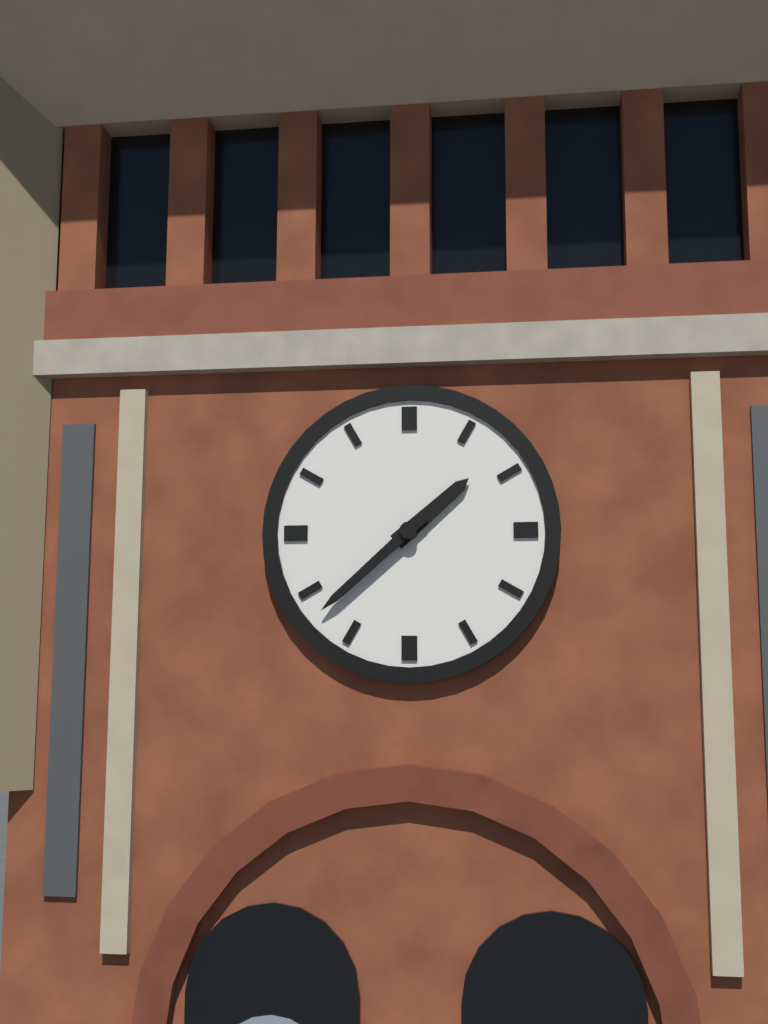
{"hour": 1, "minute": 38}
